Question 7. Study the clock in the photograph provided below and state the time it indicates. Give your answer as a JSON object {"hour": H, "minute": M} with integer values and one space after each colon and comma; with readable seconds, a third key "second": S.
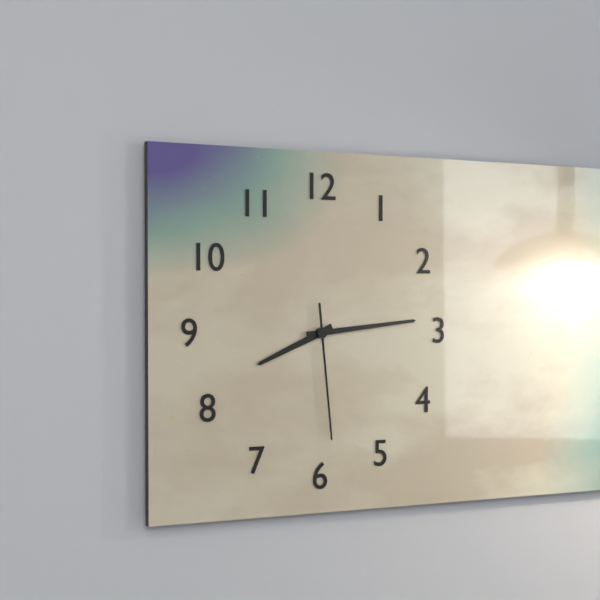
{"hour": 8, "minute": 14, "second": 29}
